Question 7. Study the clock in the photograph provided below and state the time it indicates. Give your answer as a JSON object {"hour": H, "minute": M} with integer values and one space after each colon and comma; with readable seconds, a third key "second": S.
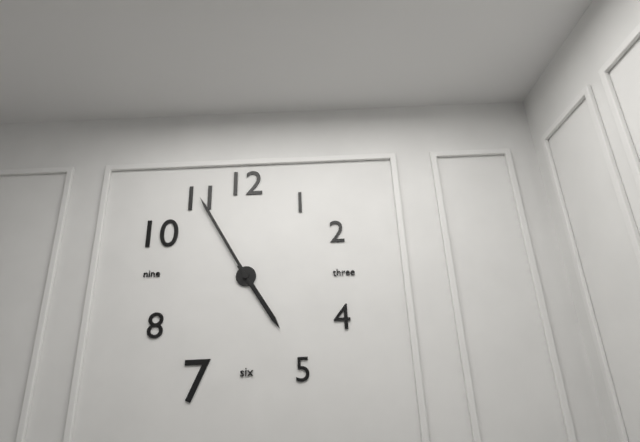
{"hour": 4, "minute": 55}
